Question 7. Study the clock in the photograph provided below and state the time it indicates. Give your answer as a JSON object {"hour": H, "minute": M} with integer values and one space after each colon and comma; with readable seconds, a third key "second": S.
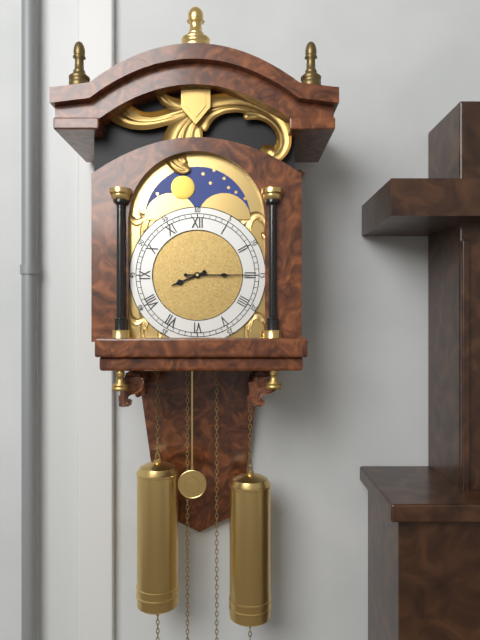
{"hour": 8, "minute": 15}
